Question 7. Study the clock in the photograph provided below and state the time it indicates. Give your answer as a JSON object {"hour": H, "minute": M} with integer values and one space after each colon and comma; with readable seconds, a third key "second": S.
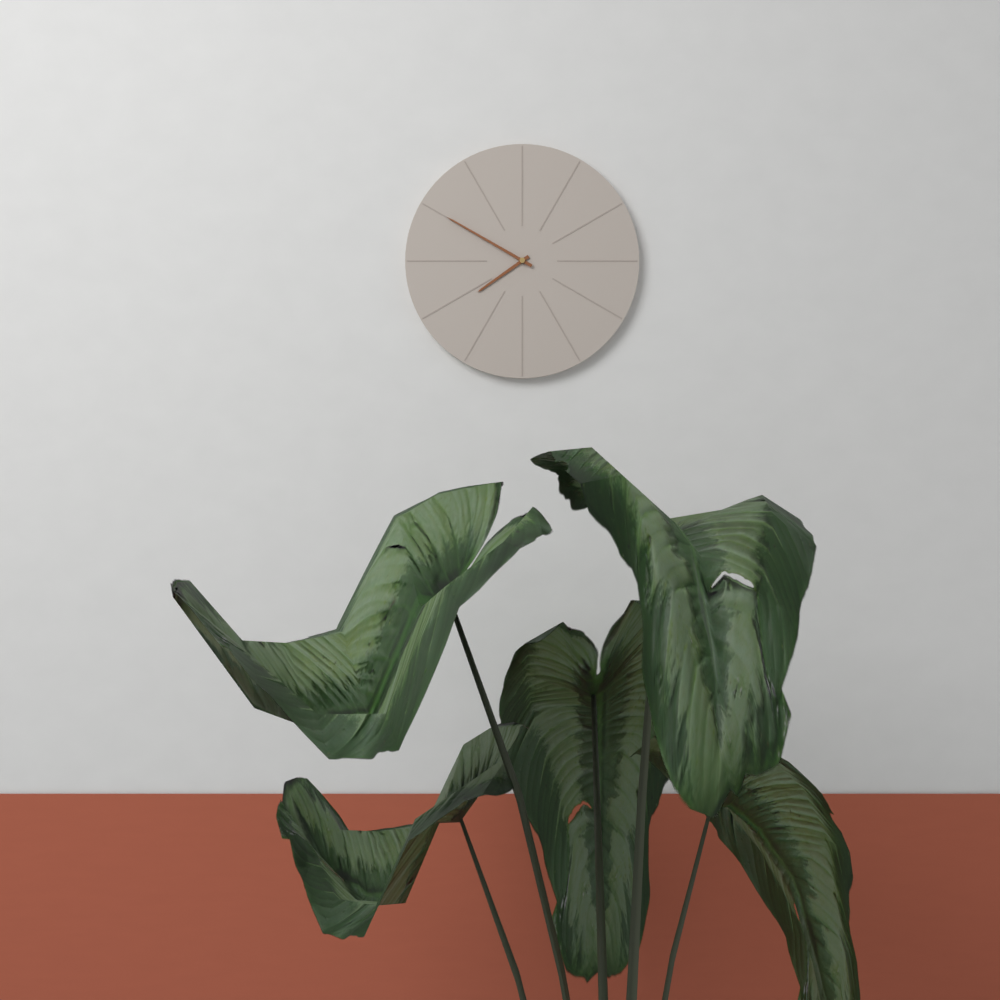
{"hour": 7, "minute": 50}
